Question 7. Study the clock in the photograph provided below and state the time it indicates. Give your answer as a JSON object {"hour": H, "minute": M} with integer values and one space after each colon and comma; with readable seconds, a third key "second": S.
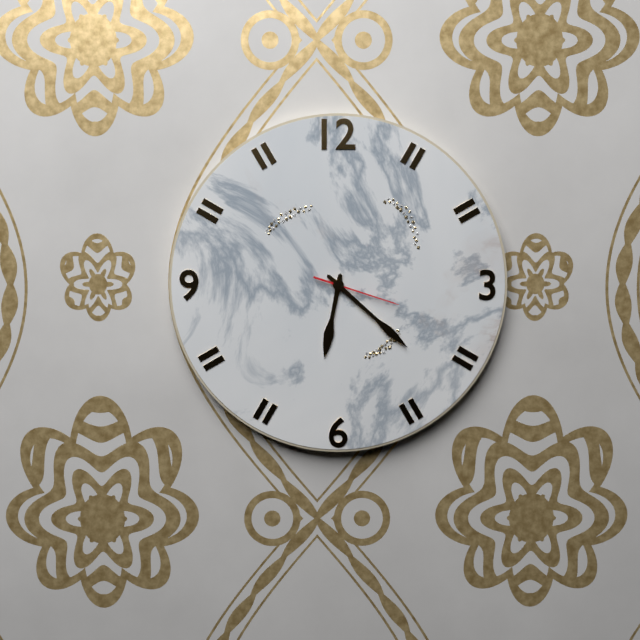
{"hour": 6, "minute": 22, "second": 18}
